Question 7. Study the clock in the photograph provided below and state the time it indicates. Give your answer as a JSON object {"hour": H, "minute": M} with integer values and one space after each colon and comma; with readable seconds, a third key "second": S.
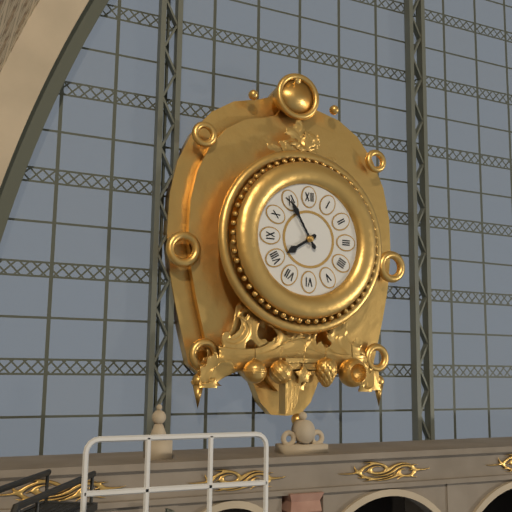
{"hour": 7, "minute": 55}
